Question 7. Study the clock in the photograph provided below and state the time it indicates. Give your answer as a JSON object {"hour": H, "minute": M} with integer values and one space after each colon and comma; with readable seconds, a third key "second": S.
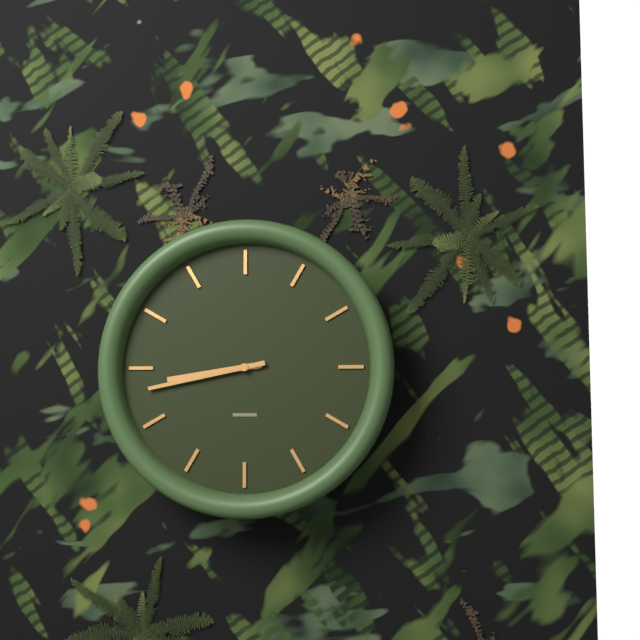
{"hour": 8, "minute": 43}
